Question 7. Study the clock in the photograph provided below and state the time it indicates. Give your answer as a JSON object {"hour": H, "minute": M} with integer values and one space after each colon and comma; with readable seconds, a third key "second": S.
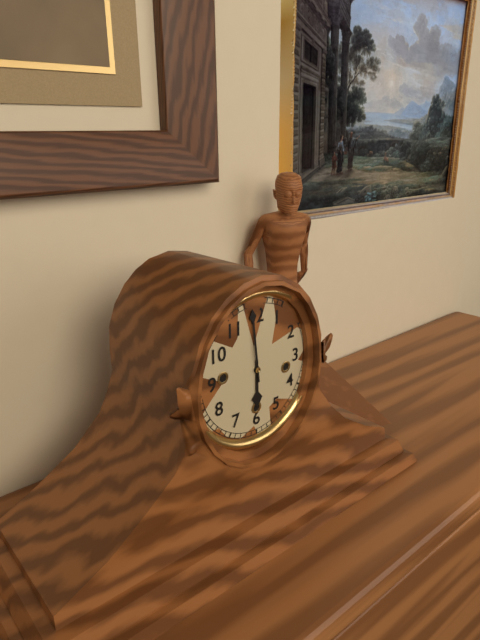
{"hour": 5, "minute": 59}
